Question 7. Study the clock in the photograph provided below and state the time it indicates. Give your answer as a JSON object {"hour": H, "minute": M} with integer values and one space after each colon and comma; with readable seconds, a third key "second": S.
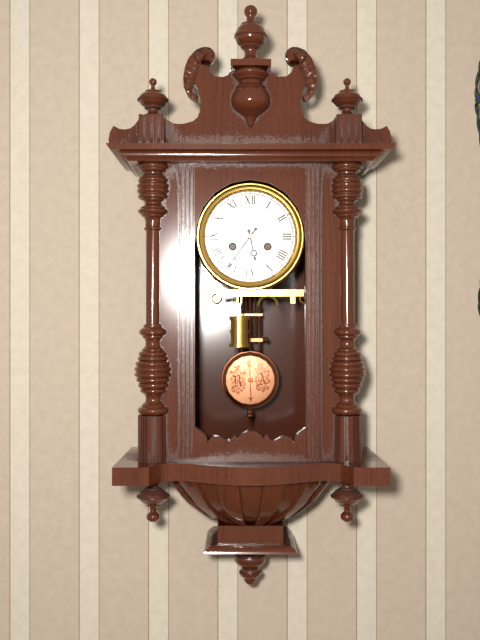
{"hour": 5, "minute": 36}
